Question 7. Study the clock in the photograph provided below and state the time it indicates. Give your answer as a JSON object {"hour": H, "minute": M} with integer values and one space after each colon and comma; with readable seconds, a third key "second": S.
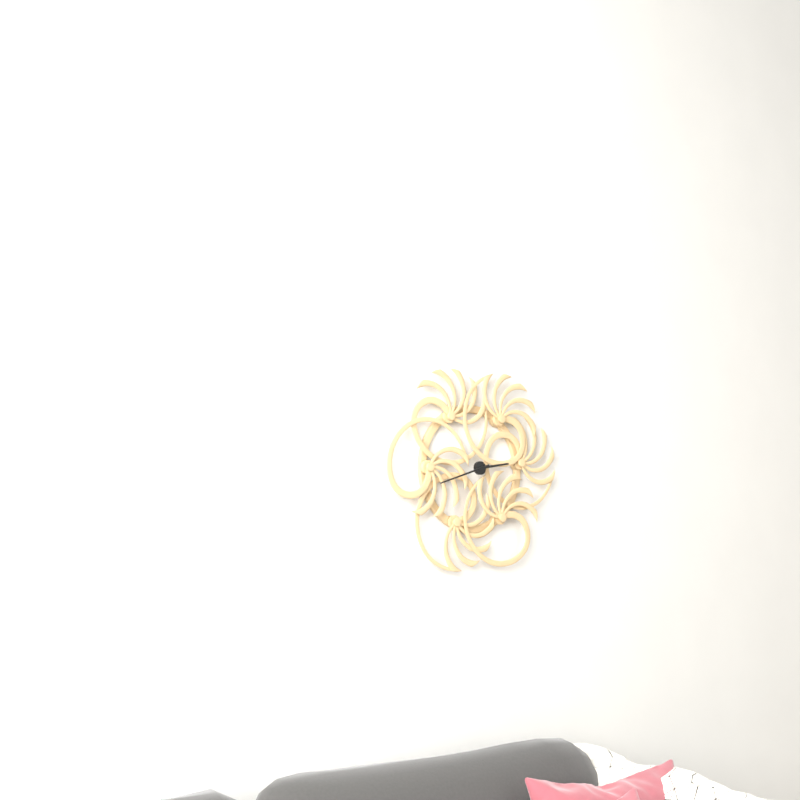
{"hour": 2, "minute": 42}
